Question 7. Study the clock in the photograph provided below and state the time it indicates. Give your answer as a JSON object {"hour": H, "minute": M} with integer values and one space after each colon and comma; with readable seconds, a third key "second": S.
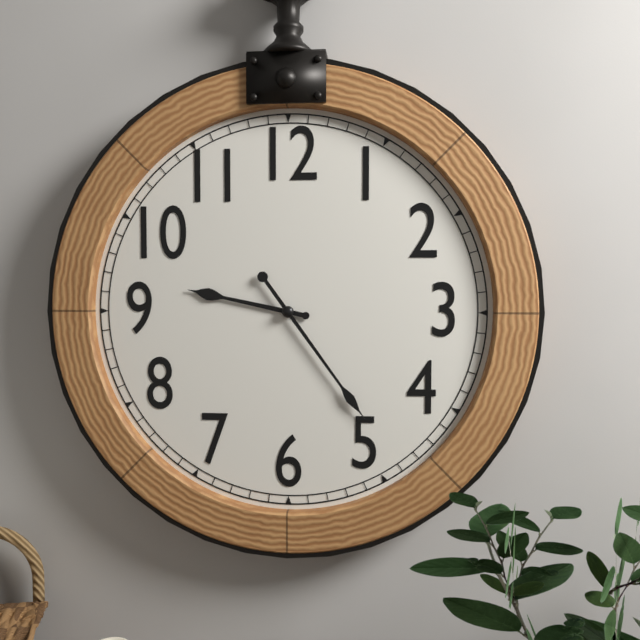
{"hour": 9, "minute": 24}
